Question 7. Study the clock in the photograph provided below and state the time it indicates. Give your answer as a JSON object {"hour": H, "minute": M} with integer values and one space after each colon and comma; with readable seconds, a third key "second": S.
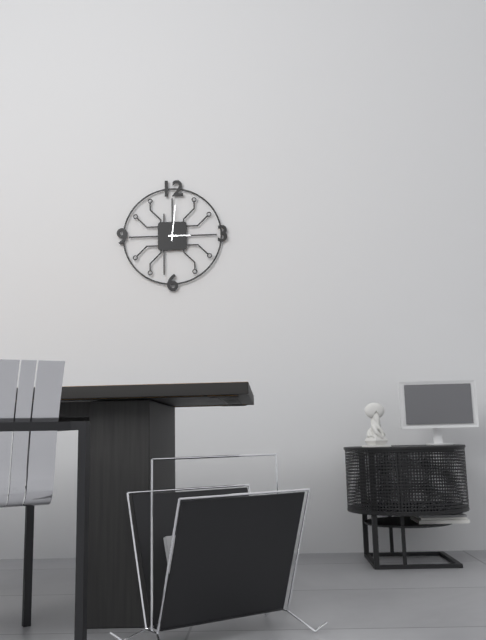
{"hour": 3, "minute": 1}
